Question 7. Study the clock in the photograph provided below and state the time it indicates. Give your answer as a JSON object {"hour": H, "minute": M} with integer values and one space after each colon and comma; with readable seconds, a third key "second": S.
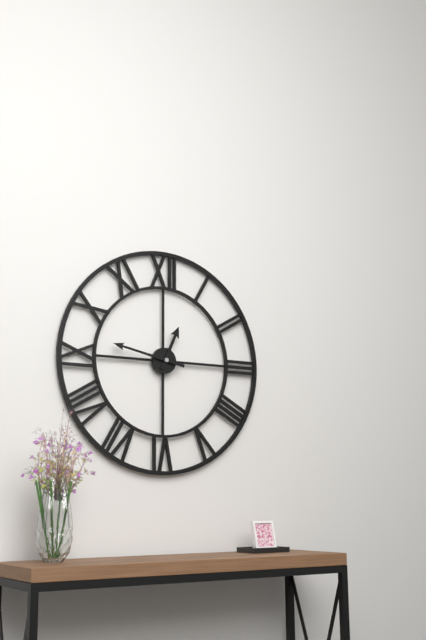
{"hour": 12, "minute": 47}
